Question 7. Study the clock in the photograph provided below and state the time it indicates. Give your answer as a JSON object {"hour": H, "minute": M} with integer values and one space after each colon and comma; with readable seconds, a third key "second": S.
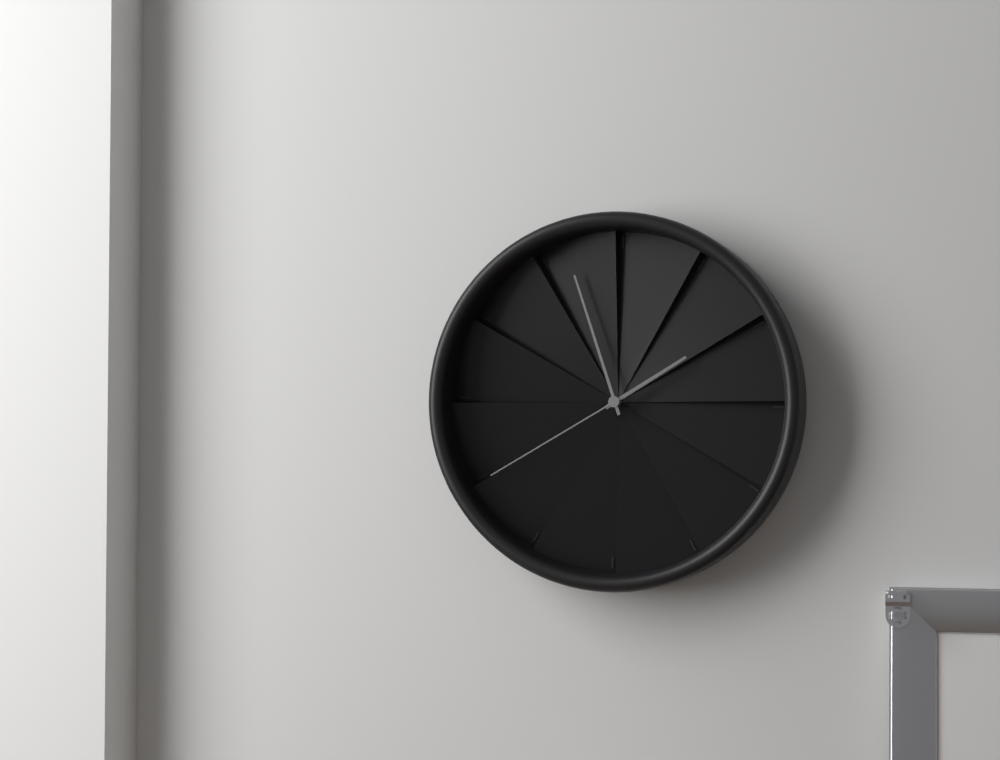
{"hour": 1, "minute": 57, "second": 40}
